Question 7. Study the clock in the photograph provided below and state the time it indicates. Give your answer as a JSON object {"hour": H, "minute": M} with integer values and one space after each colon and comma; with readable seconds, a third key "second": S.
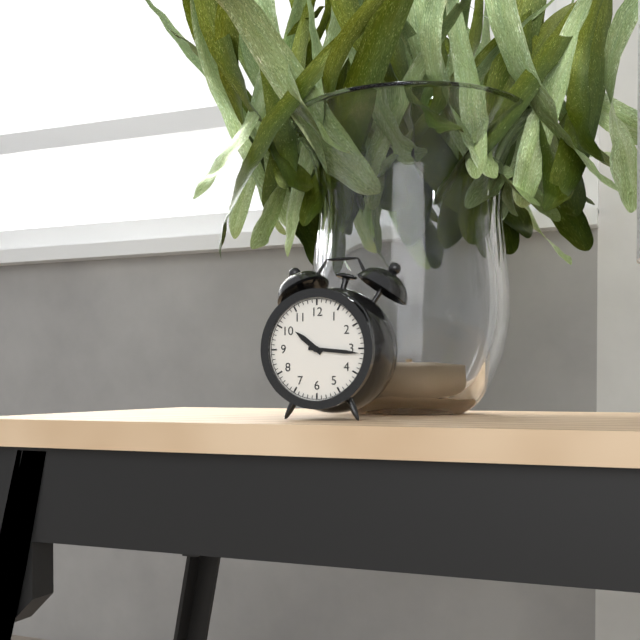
{"hour": 10, "minute": 16}
